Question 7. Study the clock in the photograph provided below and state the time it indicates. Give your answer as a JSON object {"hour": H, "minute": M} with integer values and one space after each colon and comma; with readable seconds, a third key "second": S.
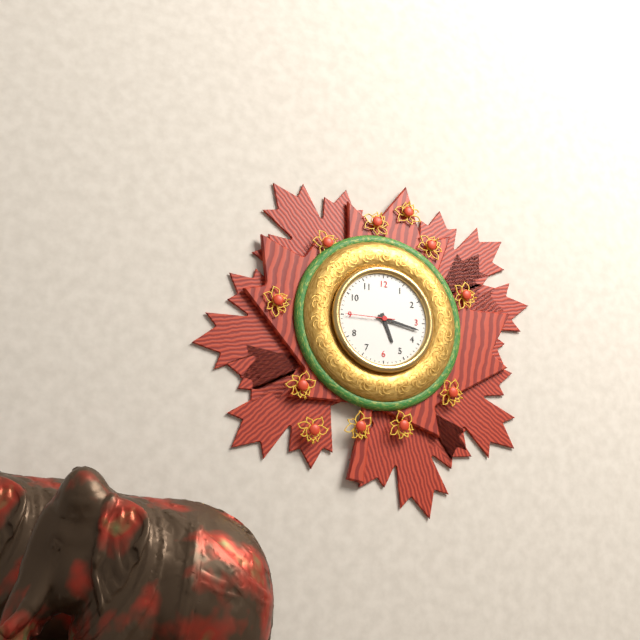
{"hour": 5, "minute": 17}
